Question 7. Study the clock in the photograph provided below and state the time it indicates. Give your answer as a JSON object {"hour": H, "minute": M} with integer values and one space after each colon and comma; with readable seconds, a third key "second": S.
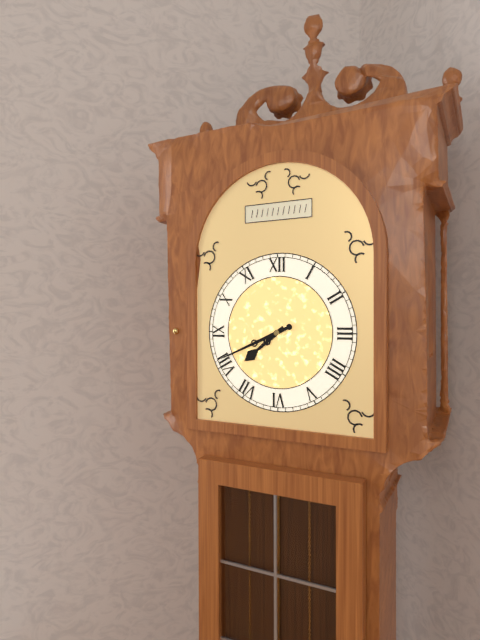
{"hour": 7, "minute": 41}
